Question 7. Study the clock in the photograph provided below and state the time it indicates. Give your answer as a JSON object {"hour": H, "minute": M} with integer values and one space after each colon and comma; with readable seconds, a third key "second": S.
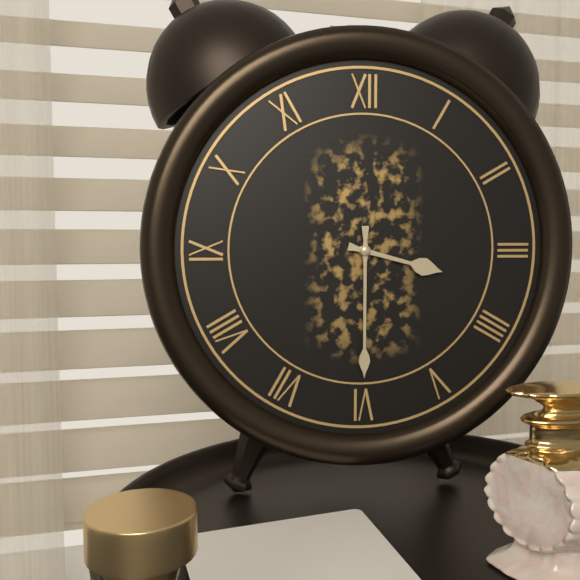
{"hour": 3, "minute": 30}
